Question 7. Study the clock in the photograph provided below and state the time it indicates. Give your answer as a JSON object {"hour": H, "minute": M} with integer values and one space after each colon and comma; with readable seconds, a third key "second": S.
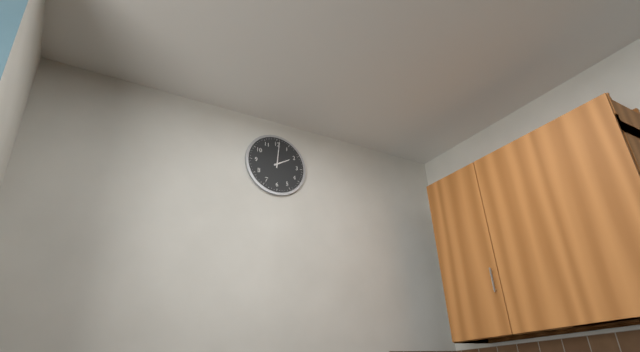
{"hour": 2, "minute": 1}
